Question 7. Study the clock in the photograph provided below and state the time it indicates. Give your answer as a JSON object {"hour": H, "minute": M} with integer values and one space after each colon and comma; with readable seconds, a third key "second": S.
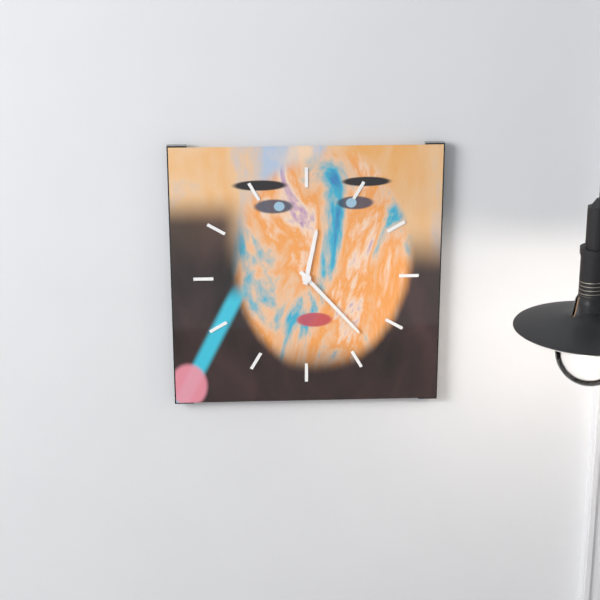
{"hour": 12, "minute": 23}
